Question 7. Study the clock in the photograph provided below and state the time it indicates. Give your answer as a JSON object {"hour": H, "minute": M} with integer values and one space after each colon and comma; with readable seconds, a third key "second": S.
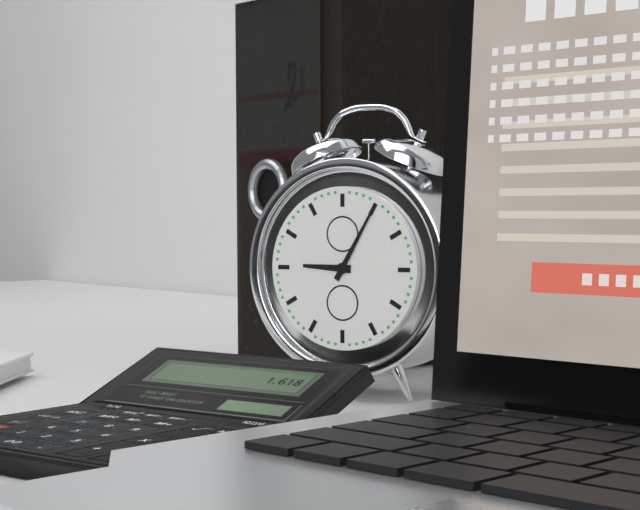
{"hour": 9, "minute": 5}
